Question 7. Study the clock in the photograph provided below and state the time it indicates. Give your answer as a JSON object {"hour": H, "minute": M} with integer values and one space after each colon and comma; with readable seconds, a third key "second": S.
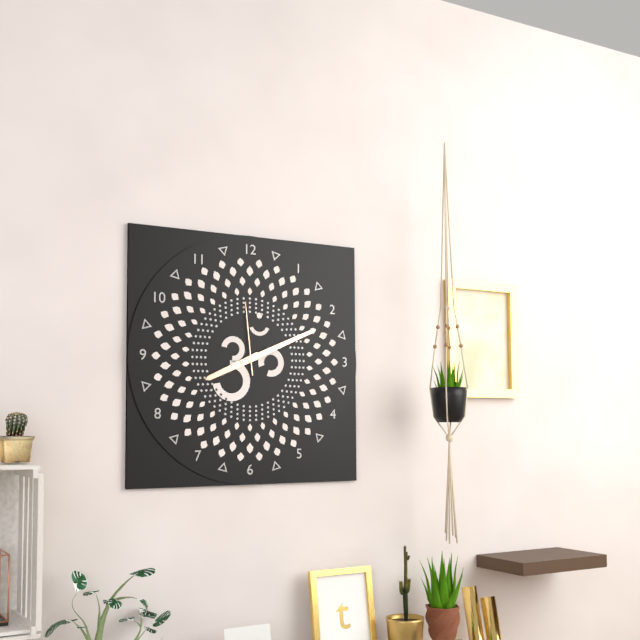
{"hour": 8, "minute": 11, "second": 59}
